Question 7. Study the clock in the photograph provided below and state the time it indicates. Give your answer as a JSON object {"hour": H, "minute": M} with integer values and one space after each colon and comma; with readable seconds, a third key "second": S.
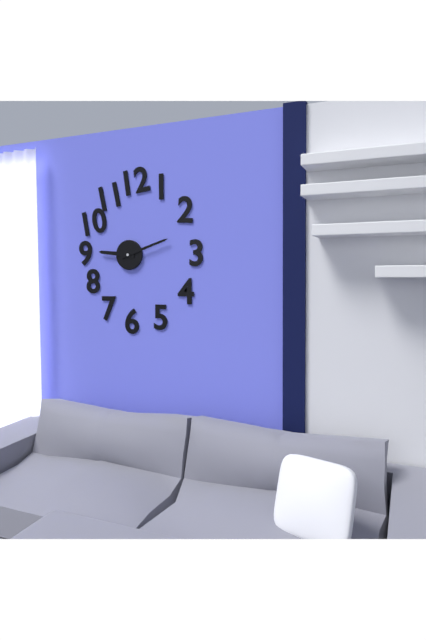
{"hour": 9, "minute": 12}
